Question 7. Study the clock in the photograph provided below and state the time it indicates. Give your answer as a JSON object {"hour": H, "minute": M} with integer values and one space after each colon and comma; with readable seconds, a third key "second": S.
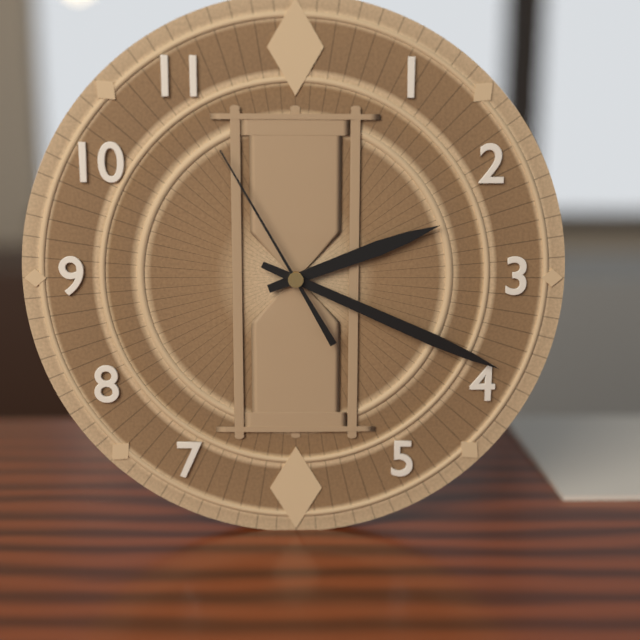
{"hour": 2, "minute": 19, "second": 55}
